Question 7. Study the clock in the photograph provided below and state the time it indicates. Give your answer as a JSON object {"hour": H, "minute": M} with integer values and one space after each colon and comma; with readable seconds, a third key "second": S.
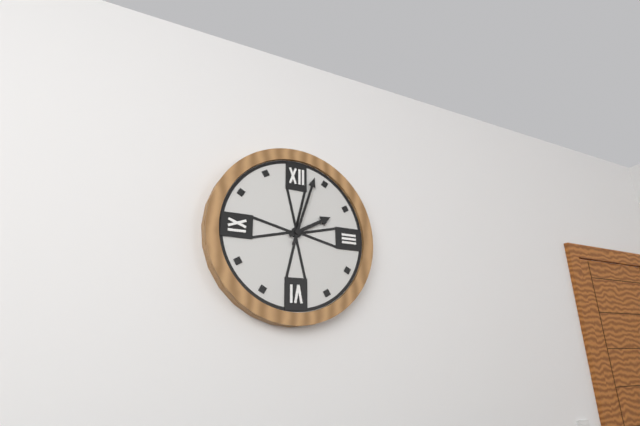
{"hour": 2, "minute": 3}
